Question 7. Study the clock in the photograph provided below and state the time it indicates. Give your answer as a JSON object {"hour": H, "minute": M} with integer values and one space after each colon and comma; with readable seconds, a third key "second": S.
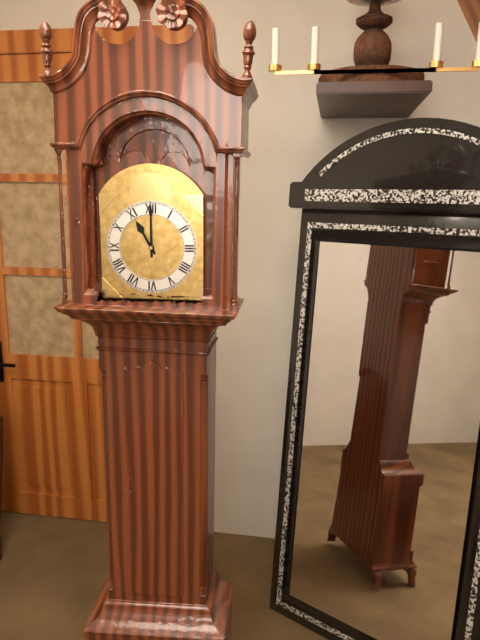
{"hour": 11, "minute": 0}
